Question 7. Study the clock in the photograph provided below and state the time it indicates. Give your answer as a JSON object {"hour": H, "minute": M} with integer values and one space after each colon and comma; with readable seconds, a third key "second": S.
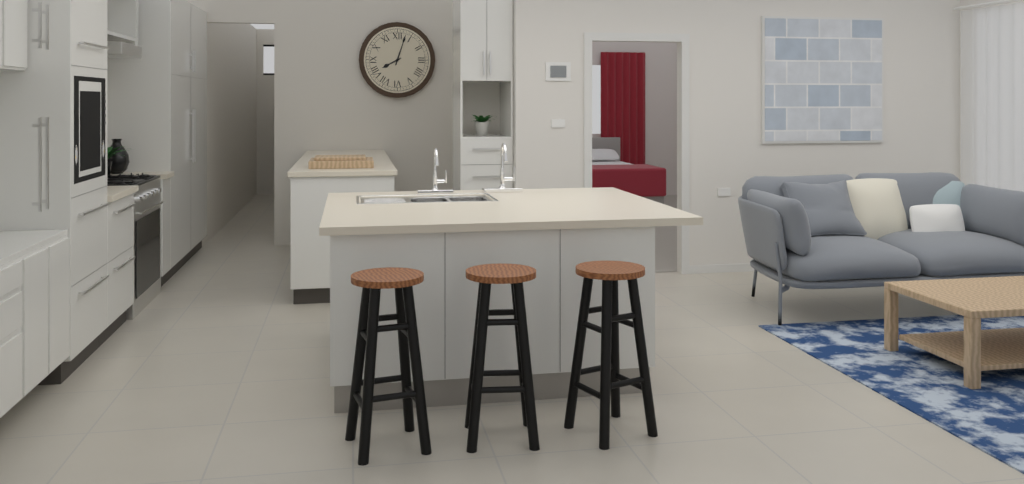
{"hour": 8, "minute": 3}
